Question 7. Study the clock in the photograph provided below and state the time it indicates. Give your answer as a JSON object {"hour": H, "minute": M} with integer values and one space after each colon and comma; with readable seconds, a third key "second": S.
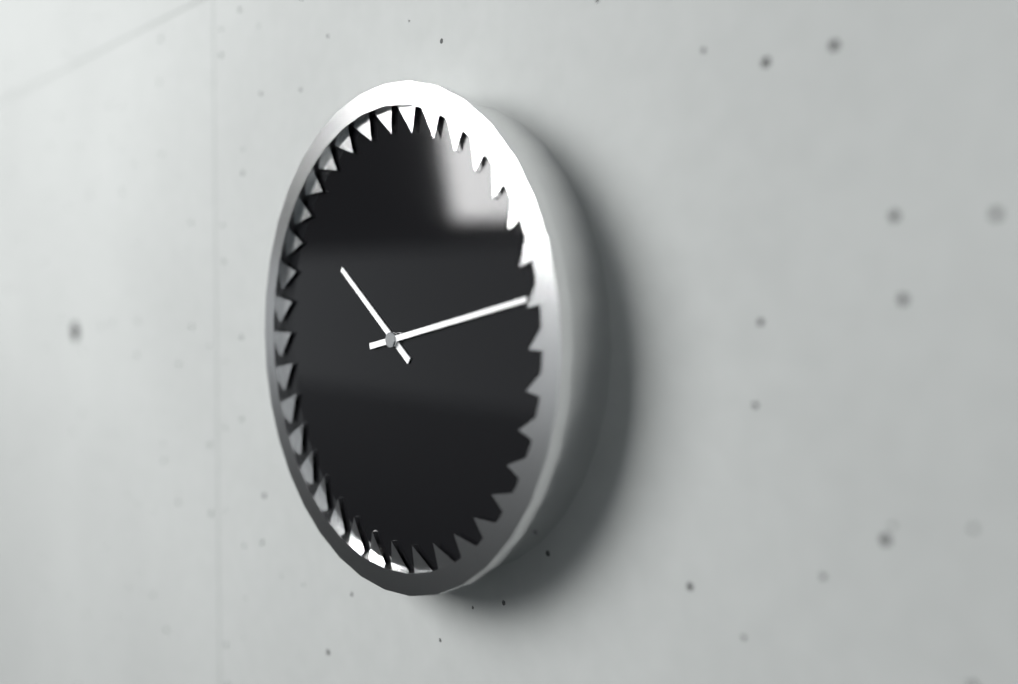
{"hour": 10, "minute": 13}
